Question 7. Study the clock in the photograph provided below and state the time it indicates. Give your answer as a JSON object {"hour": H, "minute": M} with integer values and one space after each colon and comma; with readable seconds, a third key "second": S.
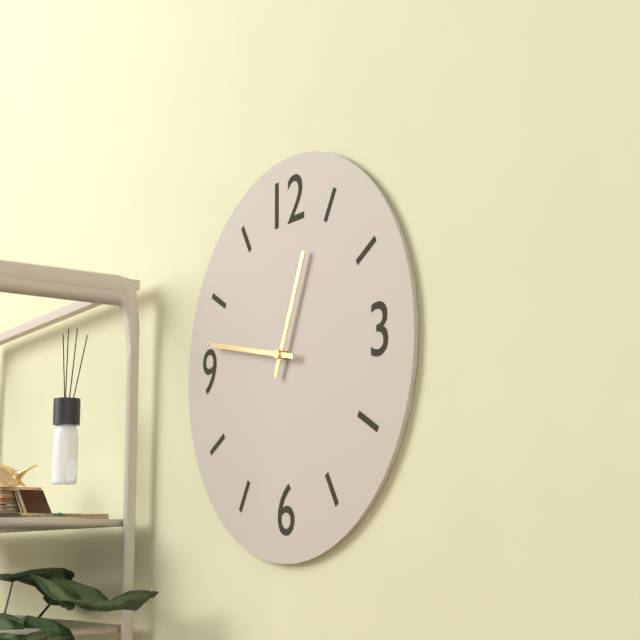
{"hour": 12, "minute": 47}
